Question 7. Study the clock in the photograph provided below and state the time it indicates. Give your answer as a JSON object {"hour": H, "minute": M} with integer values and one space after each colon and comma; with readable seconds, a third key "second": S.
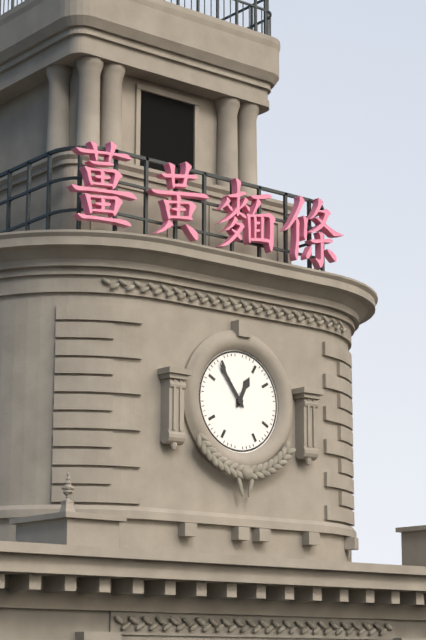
{"hour": 12, "minute": 54}
